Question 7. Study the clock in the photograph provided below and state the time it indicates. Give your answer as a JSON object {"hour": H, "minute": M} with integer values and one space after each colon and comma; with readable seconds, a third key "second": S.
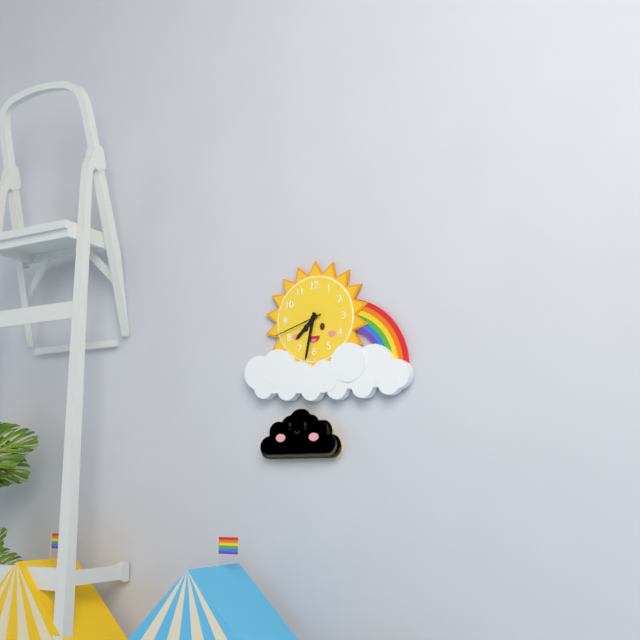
{"hour": 7, "minute": 32, "second": 42}
